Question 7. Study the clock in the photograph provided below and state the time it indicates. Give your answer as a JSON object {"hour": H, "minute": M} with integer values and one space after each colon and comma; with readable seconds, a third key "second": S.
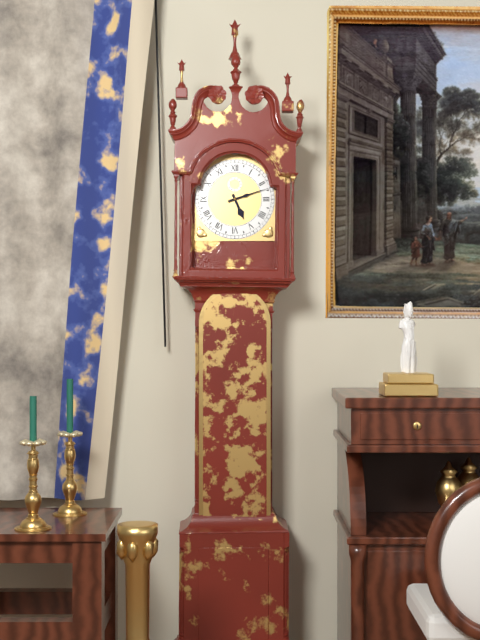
{"hour": 5, "minute": 12}
